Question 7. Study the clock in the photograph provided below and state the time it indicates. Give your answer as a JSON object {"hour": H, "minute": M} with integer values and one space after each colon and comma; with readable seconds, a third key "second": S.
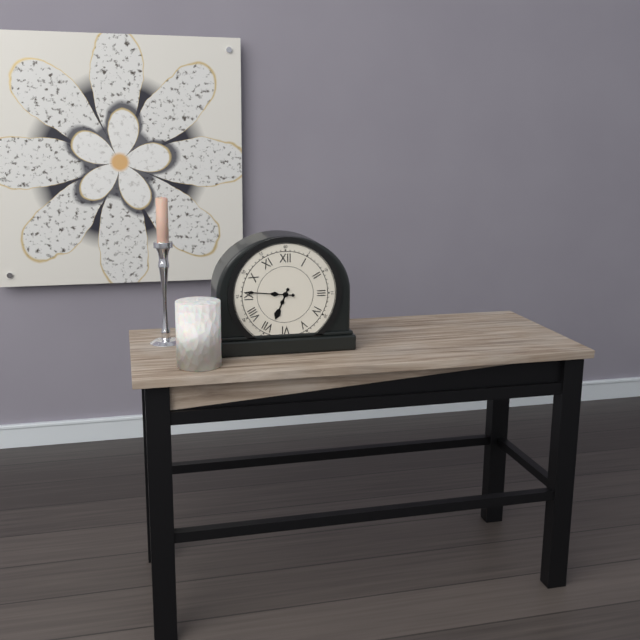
{"hour": 6, "minute": 46}
